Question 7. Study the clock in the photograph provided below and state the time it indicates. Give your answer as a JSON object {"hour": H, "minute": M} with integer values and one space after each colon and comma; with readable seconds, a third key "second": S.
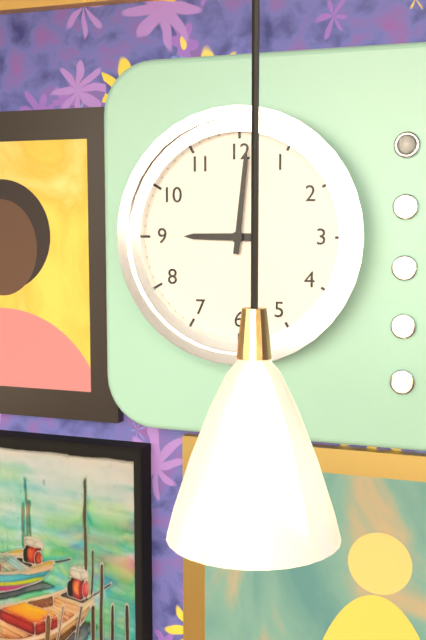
{"hour": 9, "minute": 1}
